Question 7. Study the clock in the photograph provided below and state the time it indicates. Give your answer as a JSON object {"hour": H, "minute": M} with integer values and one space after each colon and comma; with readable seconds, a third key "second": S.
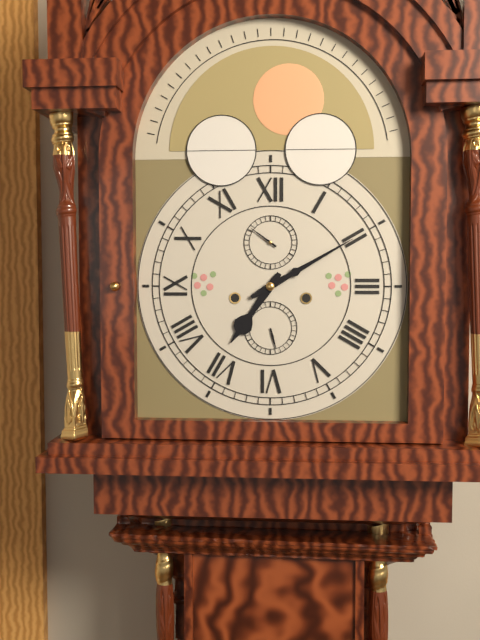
{"hour": 7, "minute": 10}
